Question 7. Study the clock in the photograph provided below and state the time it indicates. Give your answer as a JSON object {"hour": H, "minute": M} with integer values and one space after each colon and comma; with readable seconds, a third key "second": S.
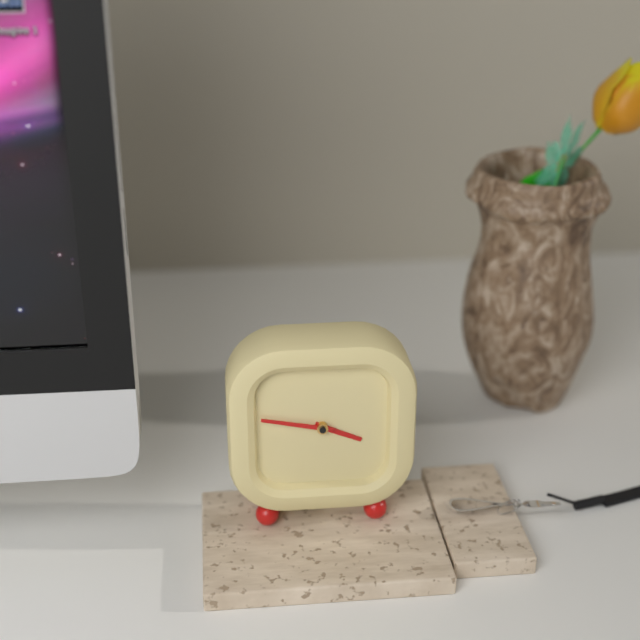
{"hour": 3, "minute": 47}
